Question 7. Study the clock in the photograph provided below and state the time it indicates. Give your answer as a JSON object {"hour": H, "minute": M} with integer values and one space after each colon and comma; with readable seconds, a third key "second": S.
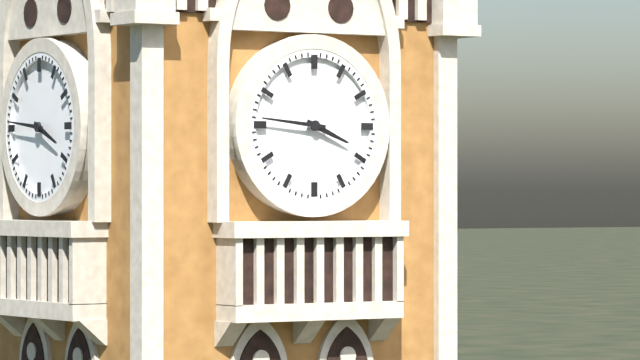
{"hour": 3, "minute": 46}
